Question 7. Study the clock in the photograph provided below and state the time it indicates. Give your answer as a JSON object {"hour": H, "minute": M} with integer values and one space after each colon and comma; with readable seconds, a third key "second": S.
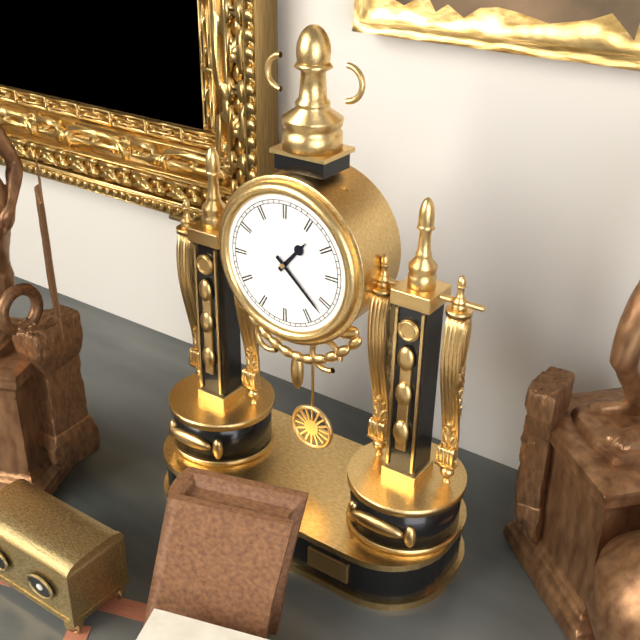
{"hour": 1, "minute": 22}
